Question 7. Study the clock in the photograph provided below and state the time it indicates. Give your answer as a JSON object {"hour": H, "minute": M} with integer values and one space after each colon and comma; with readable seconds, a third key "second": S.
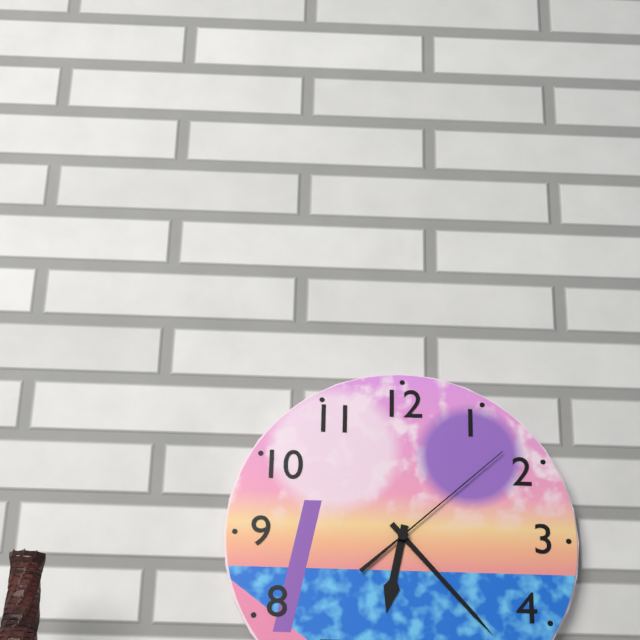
{"hour": 6, "minute": 23, "second": 8}
